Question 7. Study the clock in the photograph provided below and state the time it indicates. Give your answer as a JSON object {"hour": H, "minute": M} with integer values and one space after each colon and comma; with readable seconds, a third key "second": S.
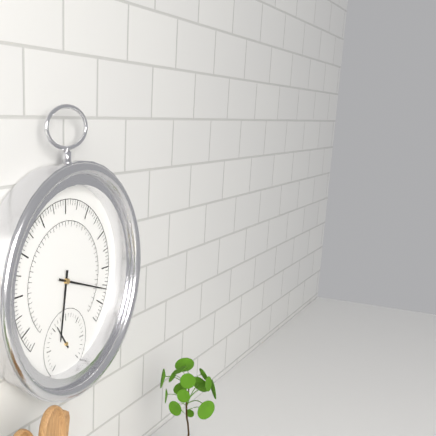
{"hour": 6, "minute": 18}
